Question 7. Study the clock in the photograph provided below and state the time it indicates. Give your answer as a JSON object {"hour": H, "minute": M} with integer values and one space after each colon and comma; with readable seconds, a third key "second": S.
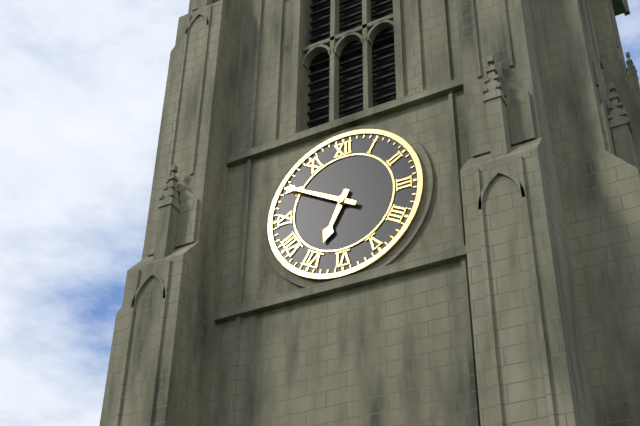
{"hour": 6, "minute": 50}
